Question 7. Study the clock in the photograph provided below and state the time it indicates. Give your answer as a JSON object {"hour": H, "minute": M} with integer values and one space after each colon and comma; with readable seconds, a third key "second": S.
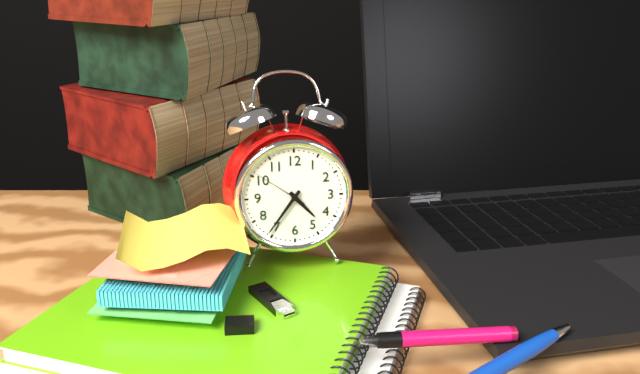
{"hour": 4, "minute": 36, "second": 51}
